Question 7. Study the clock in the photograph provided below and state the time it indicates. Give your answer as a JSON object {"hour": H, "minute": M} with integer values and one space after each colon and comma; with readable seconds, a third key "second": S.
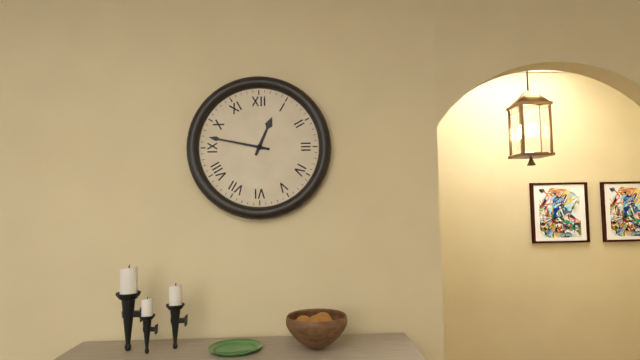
{"hour": 12, "minute": 47}
